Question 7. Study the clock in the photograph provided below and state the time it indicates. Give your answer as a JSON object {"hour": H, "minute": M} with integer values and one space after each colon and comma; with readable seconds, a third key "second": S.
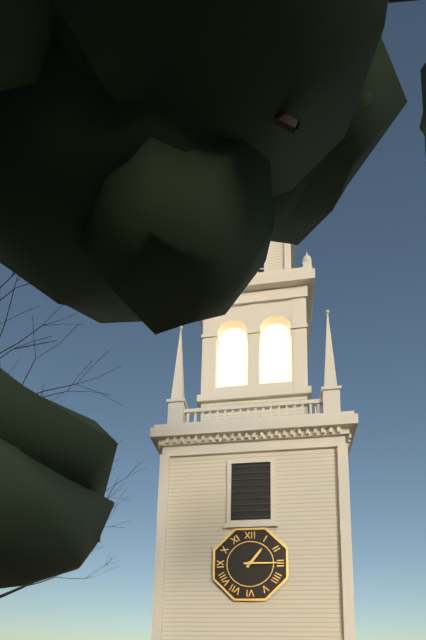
{"hour": 1, "minute": 15}
